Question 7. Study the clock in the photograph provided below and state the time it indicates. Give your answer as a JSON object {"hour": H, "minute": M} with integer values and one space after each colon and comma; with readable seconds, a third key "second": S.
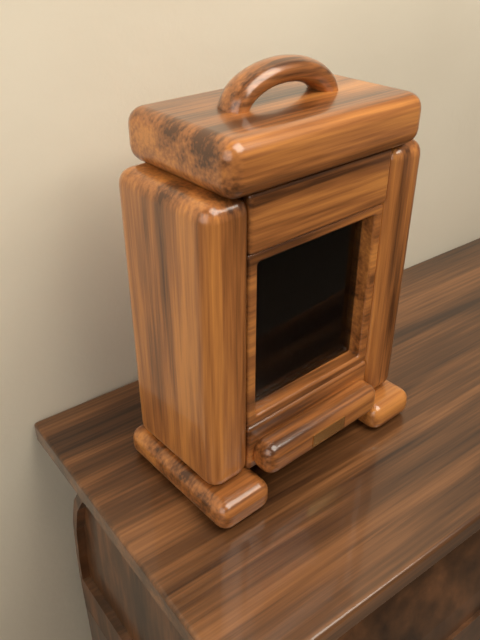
{"hour": 2, "minute": 40, "second": 52}
